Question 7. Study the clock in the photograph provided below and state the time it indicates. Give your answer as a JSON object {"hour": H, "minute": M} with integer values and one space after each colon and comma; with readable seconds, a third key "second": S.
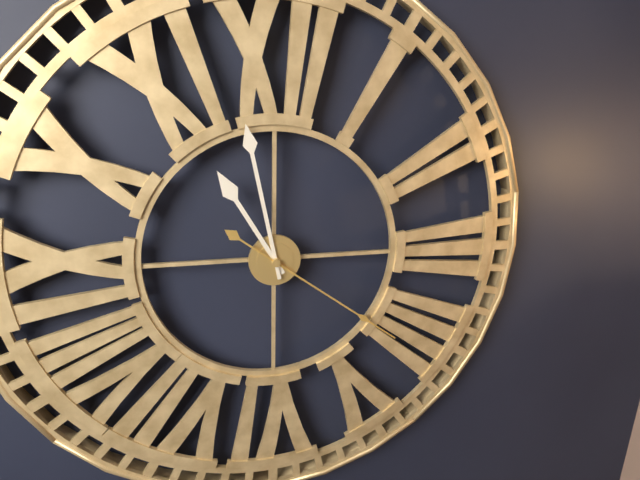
{"hour": 10, "minute": 58, "second": 21}
